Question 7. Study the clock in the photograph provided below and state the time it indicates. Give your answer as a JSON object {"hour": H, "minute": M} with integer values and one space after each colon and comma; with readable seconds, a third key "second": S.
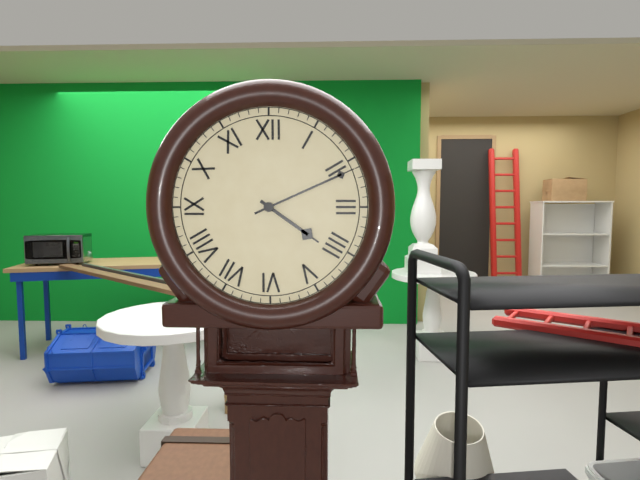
{"hour": 4, "minute": 11}
